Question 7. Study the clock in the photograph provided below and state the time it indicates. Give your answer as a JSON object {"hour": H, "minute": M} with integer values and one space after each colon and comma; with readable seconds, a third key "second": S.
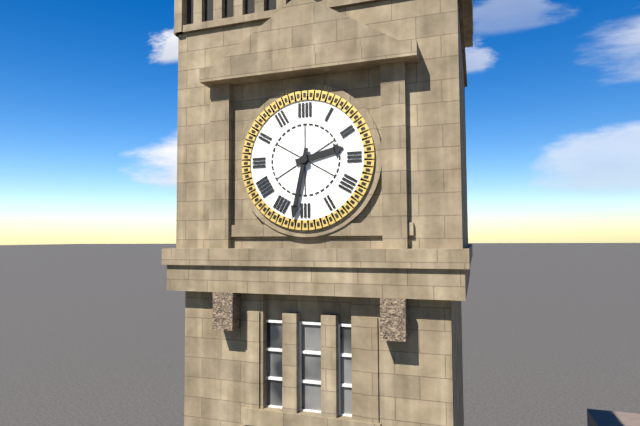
{"hour": 2, "minute": 32}
